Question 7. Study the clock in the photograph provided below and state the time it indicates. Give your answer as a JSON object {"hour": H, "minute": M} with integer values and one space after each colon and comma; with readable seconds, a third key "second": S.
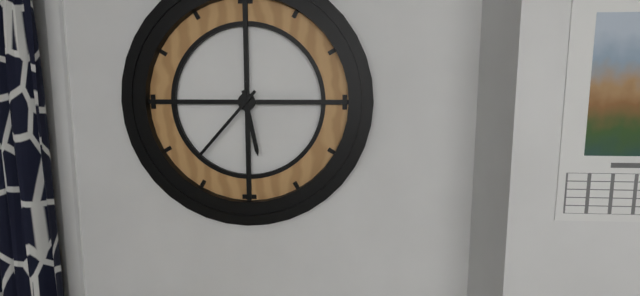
{"hour": 5, "minute": 37}
